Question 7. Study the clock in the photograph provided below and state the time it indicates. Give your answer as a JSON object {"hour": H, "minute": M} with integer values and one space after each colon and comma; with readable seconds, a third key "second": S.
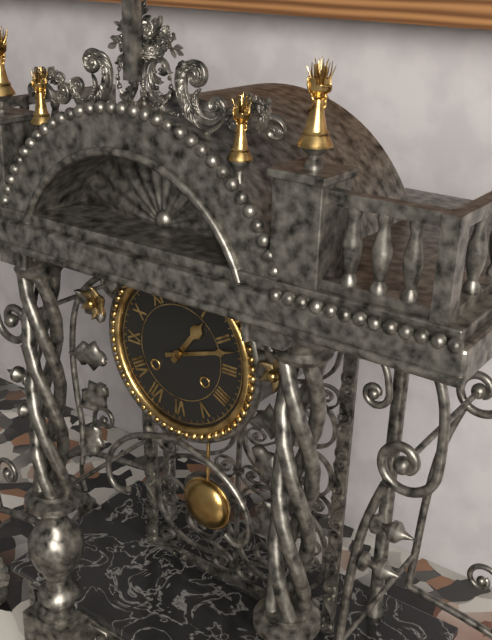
{"hour": 1, "minute": 12}
